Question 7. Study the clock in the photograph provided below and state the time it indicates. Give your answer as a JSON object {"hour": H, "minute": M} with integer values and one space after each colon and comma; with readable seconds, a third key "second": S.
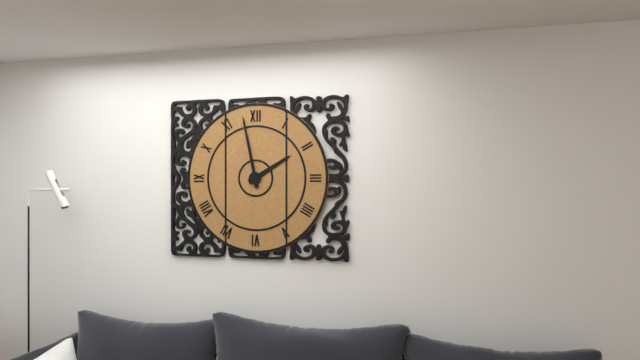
{"hour": 1, "minute": 58}
